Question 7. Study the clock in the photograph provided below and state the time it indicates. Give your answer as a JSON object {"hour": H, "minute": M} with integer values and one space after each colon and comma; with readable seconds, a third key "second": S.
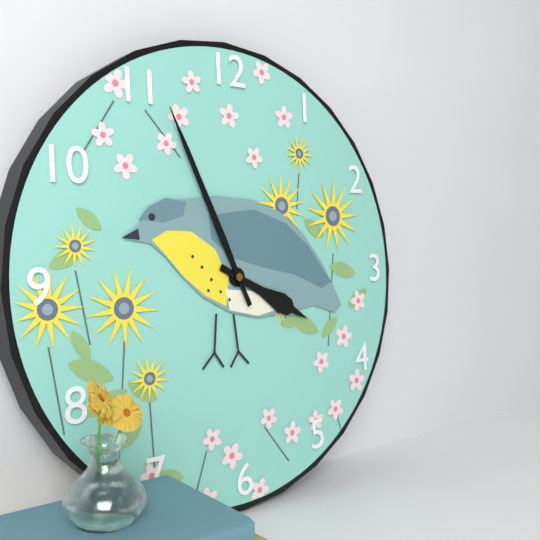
{"hour": 3, "minute": 56}
